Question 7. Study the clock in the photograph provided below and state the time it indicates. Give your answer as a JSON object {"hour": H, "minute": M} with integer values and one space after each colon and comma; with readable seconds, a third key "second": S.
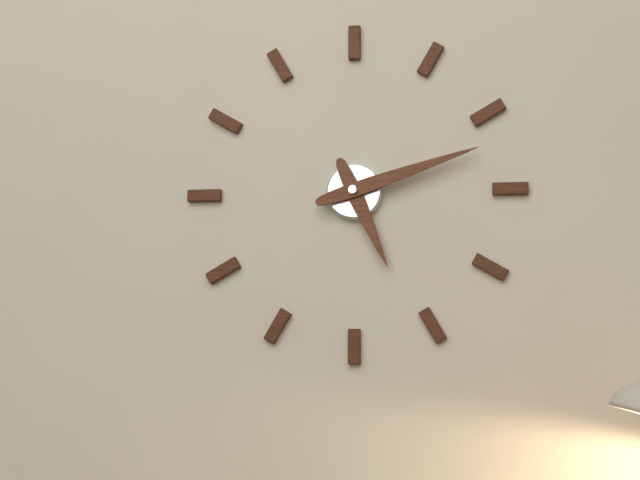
{"hour": 5, "minute": 12}
